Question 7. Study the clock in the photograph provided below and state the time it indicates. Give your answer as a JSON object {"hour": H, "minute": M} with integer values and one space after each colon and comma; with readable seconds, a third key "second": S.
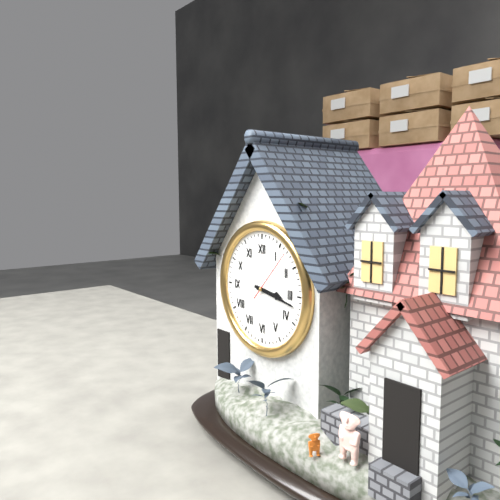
{"hour": 3, "minute": 17, "second": 7}
